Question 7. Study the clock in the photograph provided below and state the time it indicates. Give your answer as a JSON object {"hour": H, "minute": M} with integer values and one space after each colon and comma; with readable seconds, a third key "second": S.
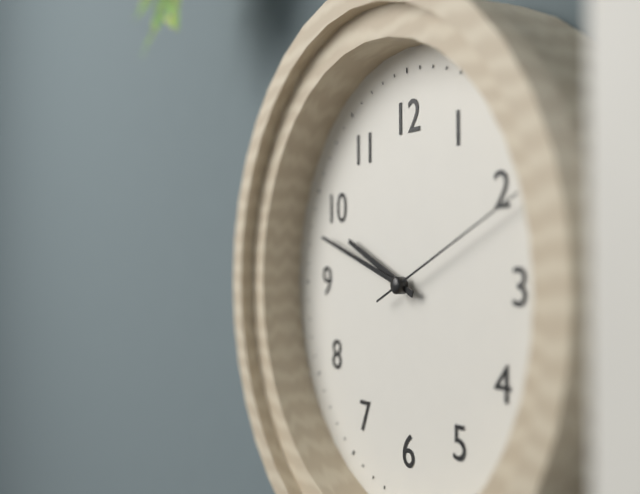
{"hour": 9, "minute": 48, "second": 11}
